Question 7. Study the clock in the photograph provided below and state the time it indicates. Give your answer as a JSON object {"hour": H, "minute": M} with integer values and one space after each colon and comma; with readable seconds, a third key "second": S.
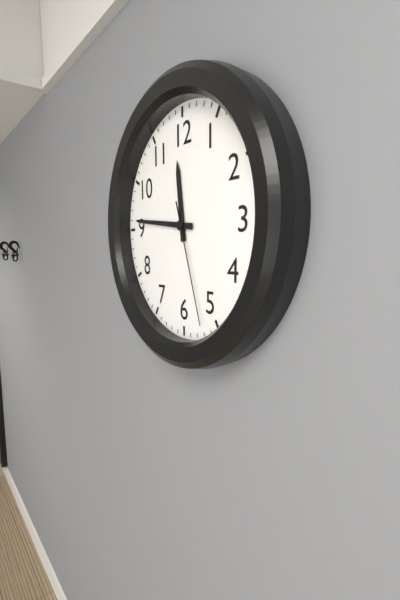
{"hour": 11, "minute": 46, "second": 27}
